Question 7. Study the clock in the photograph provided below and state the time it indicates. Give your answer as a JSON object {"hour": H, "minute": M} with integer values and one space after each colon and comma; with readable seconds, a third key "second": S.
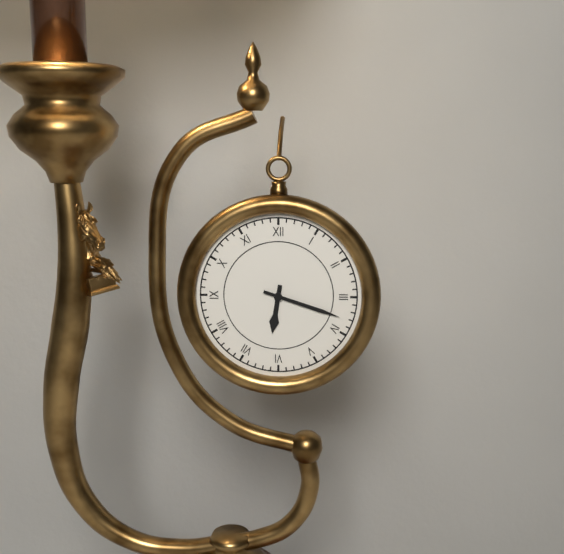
{"hour": 6, "minute": 18}
